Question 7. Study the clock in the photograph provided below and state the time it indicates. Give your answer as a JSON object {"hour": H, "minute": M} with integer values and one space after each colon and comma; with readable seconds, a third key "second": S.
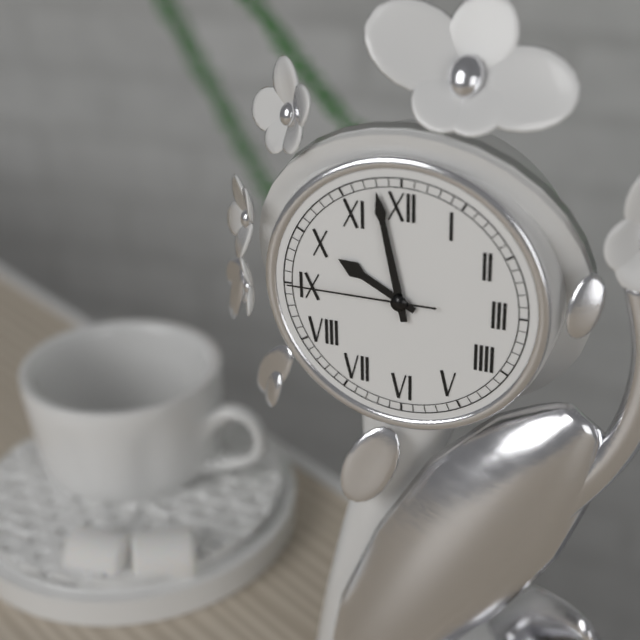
{"hour": 9, "minute": 58, "second": 45}
